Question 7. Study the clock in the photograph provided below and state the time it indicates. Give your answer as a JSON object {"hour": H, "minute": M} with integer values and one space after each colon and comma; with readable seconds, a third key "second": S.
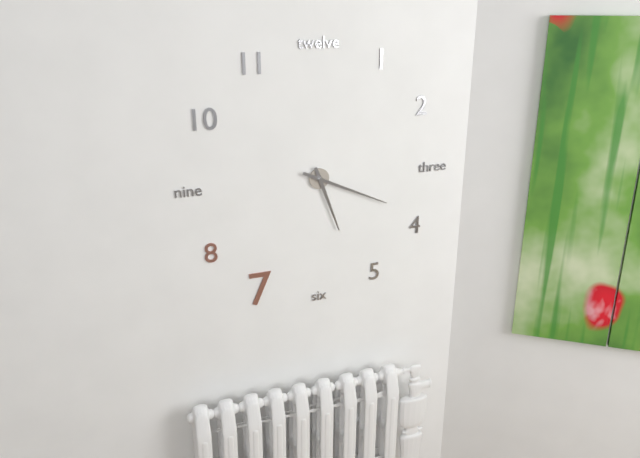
{"hour": 5, "minute": 19}
